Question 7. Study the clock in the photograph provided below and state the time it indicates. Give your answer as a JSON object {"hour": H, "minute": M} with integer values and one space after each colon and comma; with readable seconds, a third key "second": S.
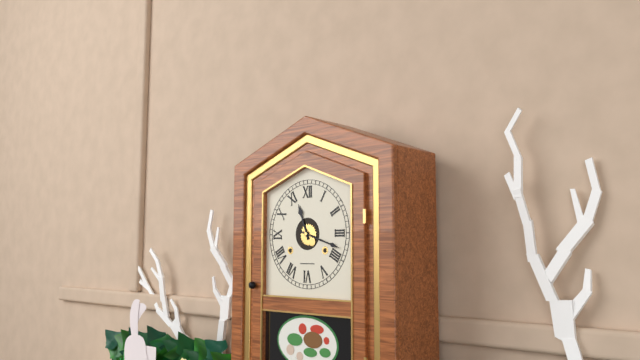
{"hour": 11, "minute": 18}
